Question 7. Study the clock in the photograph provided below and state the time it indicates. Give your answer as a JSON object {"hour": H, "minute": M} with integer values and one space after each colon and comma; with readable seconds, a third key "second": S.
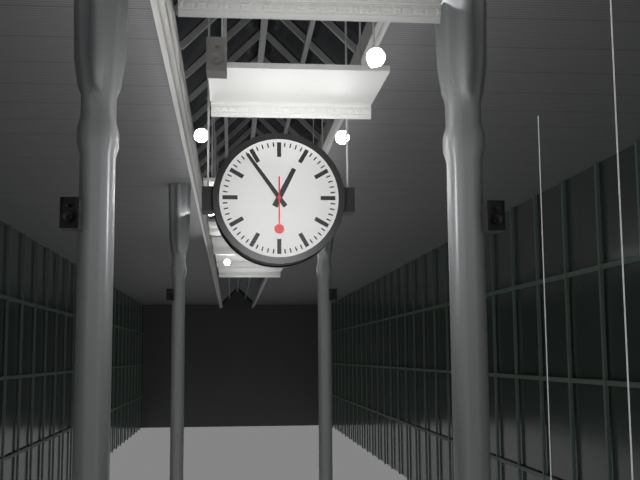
{"hour": 12, "minute": 54}
